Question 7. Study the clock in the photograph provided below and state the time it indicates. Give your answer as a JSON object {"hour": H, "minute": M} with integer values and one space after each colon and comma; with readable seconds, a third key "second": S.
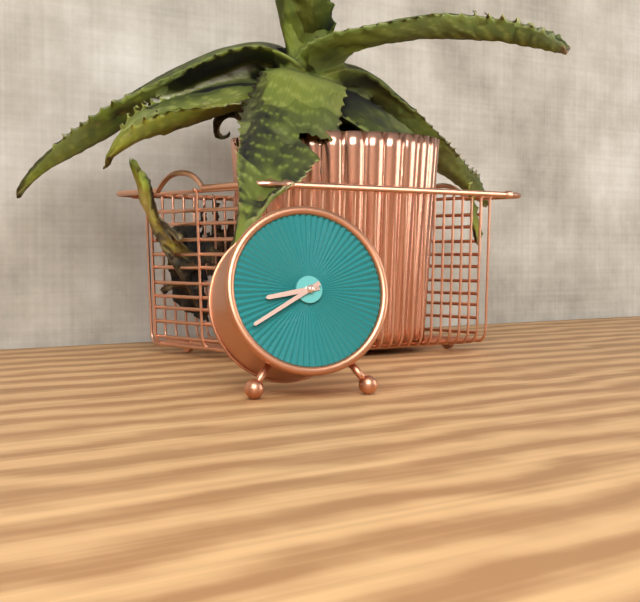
{"hour": 8, "minute": 40}
